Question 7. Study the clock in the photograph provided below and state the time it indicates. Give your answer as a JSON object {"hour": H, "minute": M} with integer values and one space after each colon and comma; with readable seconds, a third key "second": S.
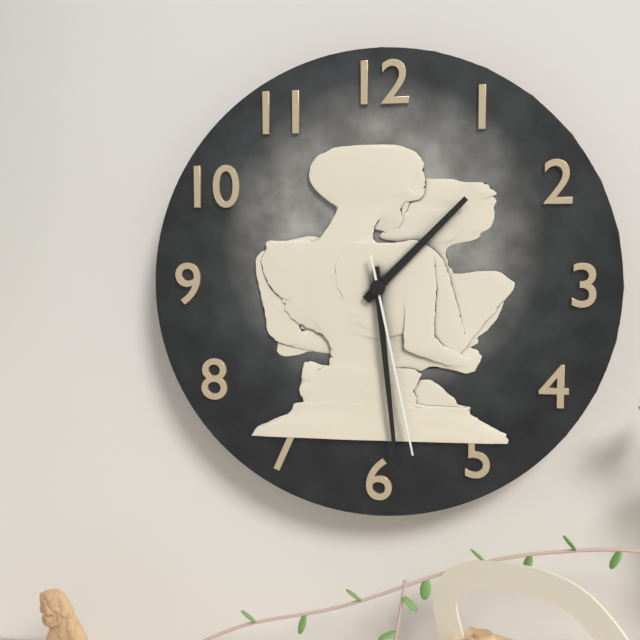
{"hour": 1, "minute": 29, "second": 28}
